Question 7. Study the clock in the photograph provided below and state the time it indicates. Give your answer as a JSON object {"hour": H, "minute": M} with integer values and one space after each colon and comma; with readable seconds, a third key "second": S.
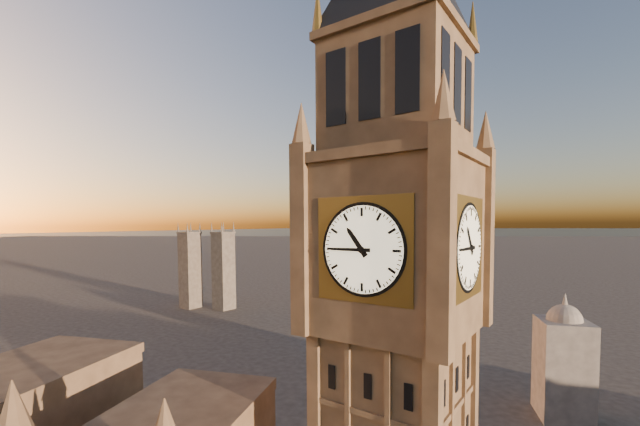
{"hour": 10, "minute": 45}
